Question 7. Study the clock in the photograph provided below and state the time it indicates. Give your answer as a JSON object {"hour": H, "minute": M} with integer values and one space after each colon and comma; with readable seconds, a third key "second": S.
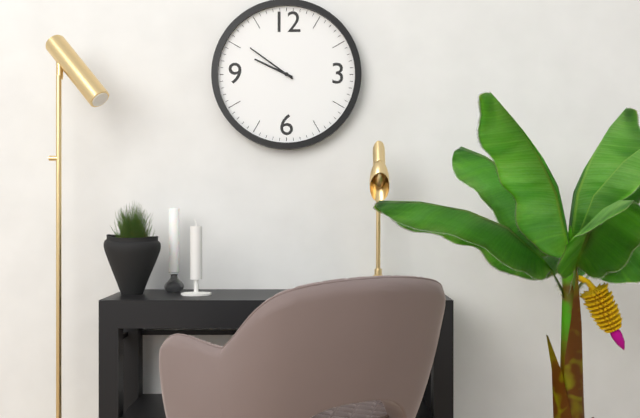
{"hour": 9, "minute": 51}
